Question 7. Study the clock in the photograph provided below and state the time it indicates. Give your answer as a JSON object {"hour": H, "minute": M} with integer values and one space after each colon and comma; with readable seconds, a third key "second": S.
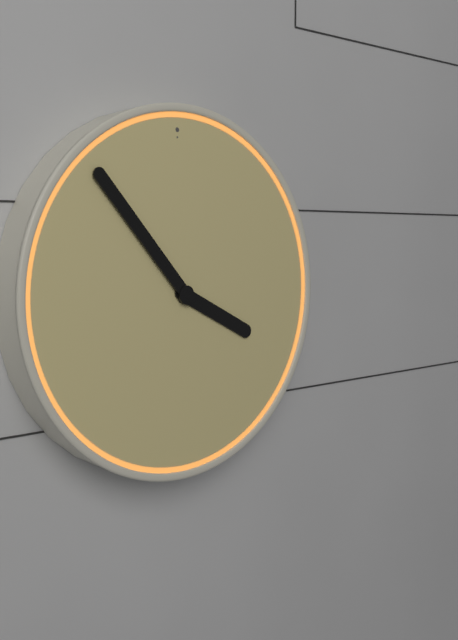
{"hour": 3, "minute": 53}
